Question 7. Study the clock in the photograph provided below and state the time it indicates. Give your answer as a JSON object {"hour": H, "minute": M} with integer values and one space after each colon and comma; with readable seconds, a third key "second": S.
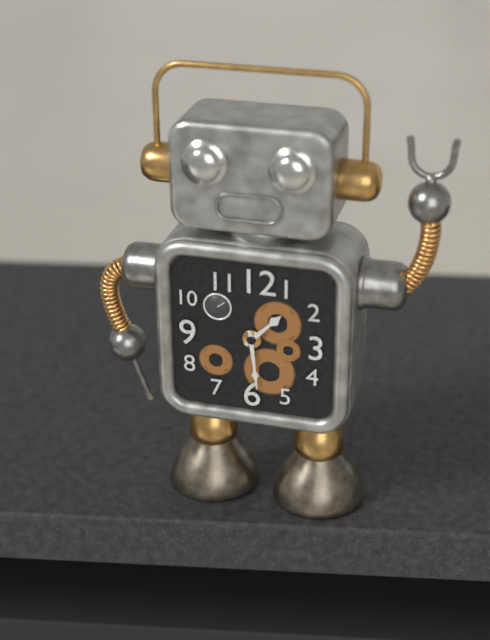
{"hour": 1, "minute": 29}
